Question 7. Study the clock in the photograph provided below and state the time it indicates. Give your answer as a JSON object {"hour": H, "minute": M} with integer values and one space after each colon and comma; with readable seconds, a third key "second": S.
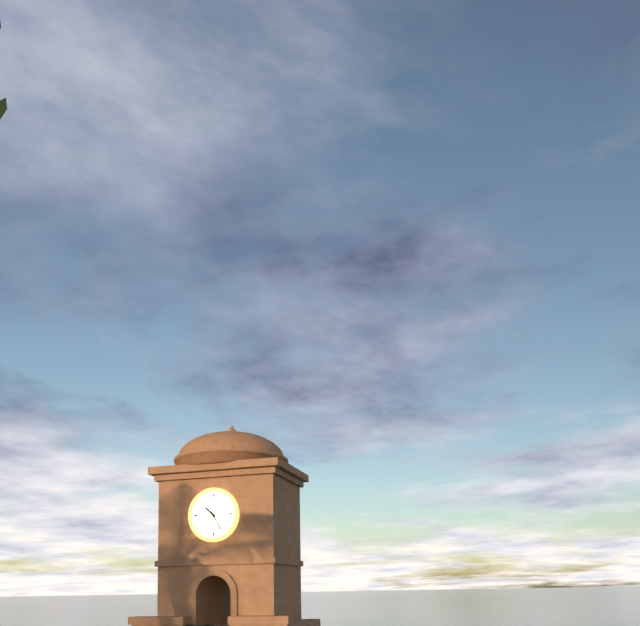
{"hour": 10, "minute": 25}
